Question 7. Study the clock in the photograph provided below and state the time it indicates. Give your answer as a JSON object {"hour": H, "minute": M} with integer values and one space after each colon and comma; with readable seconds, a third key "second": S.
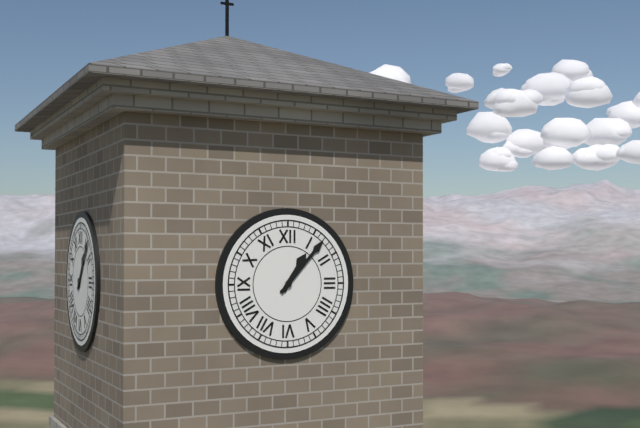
{"hour": 1, "minute": 7}
